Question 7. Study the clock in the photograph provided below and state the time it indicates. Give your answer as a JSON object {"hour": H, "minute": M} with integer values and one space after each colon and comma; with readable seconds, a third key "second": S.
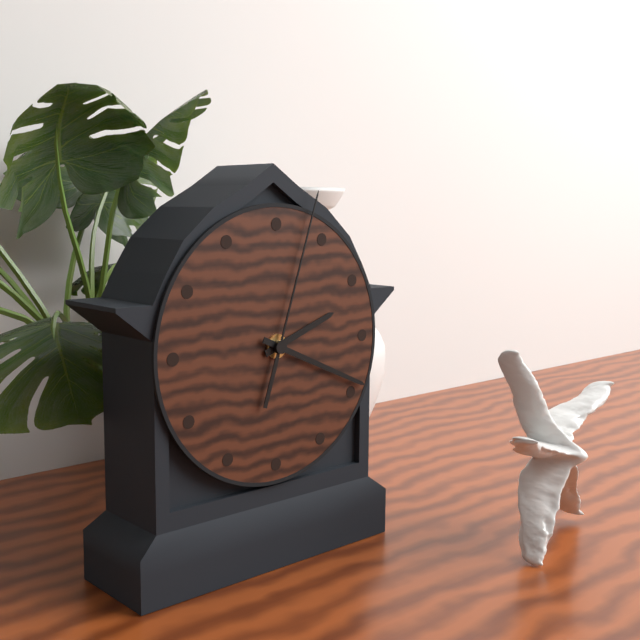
{"hour": 2, "minute": 19, "second": 3}
